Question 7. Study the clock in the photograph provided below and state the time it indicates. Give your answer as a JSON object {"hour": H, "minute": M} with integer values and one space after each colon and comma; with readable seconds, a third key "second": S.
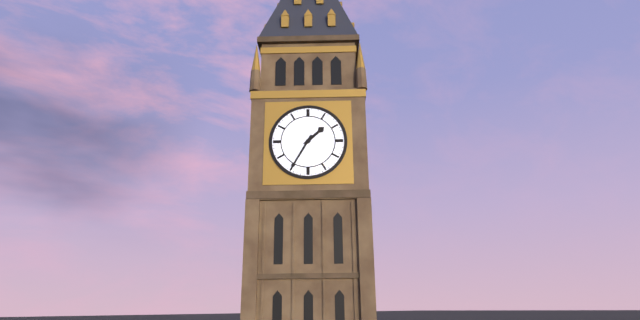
{"hour": 1, "minute": 35}
